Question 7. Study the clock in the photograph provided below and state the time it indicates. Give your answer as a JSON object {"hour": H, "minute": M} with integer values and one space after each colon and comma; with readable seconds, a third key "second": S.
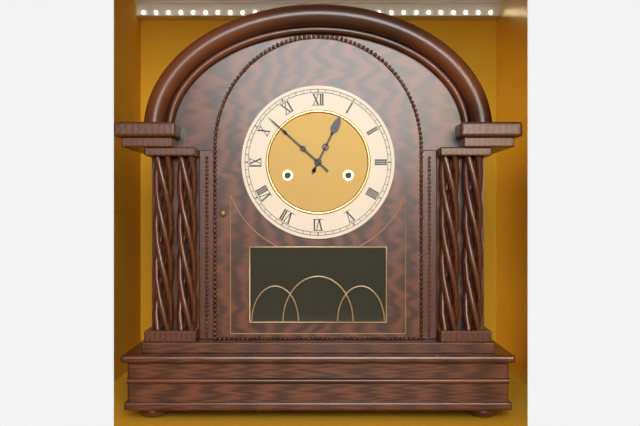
{"hour": 12, "minute": 52}
